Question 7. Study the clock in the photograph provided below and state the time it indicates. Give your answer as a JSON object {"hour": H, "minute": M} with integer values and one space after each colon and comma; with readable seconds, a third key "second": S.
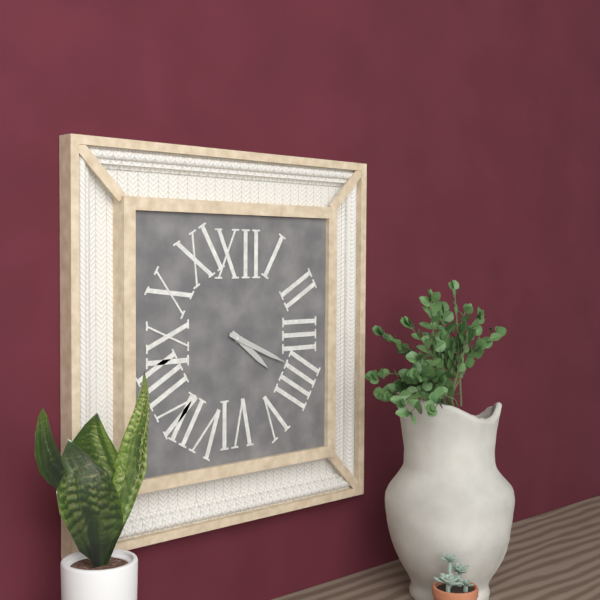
{"hour": 4, "minute": 19}
